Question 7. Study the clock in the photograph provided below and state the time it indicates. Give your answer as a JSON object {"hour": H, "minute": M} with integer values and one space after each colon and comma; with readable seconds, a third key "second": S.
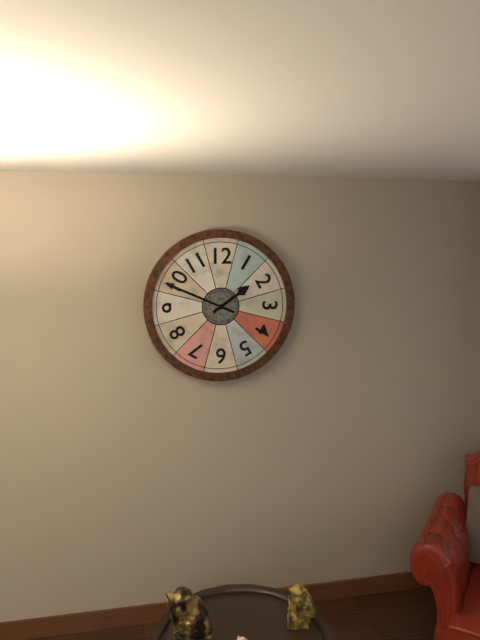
{"hour": 1, "minute": 49}
